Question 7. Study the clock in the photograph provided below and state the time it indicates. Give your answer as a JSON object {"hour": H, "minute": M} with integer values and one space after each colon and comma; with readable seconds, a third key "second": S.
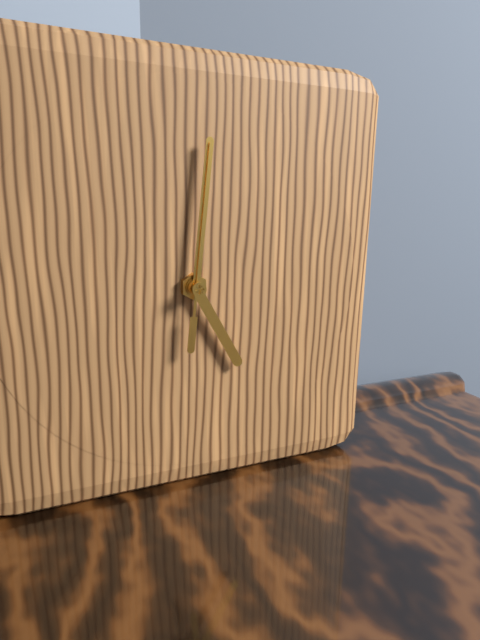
{"hour": 5, "minute": 1, "second": 1}
